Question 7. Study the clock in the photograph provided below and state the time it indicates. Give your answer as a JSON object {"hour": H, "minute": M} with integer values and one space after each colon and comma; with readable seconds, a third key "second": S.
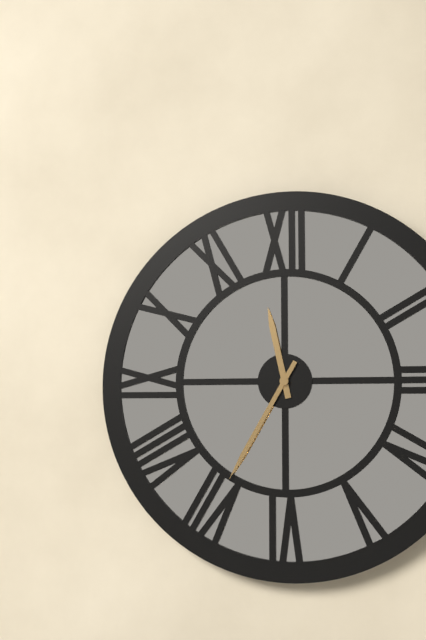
{"hour": 11, "minute": 35}
